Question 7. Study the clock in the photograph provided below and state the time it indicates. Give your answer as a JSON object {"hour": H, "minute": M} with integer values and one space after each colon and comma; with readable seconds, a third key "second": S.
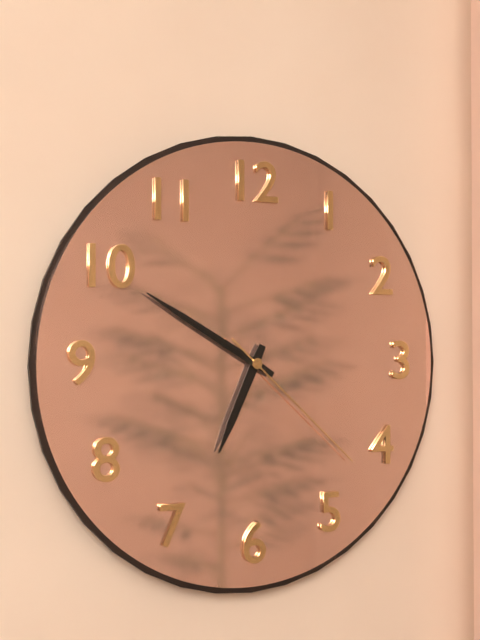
{"hour": 6, "minute": 50, "second": 22}
